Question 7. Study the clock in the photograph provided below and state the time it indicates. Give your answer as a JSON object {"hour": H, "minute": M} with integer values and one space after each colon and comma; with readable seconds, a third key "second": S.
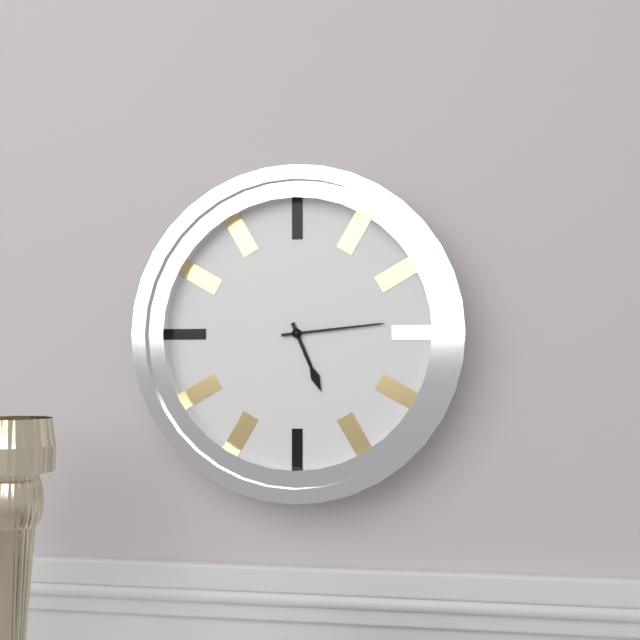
{"hour": 5, "minute": 14}
